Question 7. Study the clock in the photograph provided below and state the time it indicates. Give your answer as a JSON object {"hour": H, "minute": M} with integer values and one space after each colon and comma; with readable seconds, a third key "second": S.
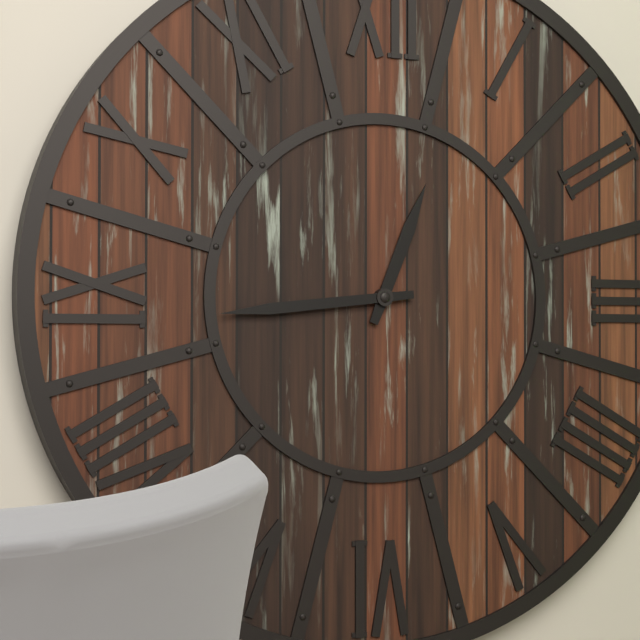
{"hour": 12, "minute": 44}
